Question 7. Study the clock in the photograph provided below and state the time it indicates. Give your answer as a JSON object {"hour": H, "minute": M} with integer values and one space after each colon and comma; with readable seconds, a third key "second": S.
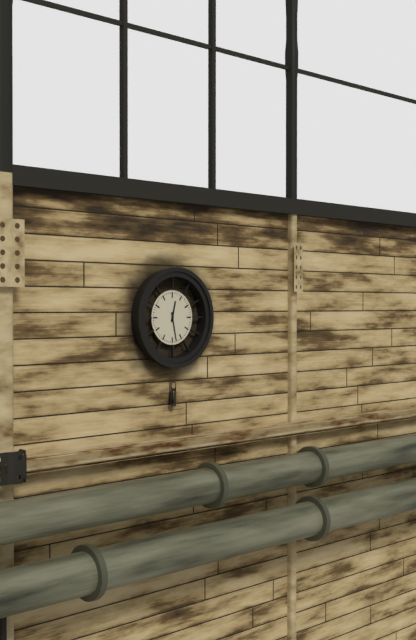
{"hour": 12, "minute": 28}
